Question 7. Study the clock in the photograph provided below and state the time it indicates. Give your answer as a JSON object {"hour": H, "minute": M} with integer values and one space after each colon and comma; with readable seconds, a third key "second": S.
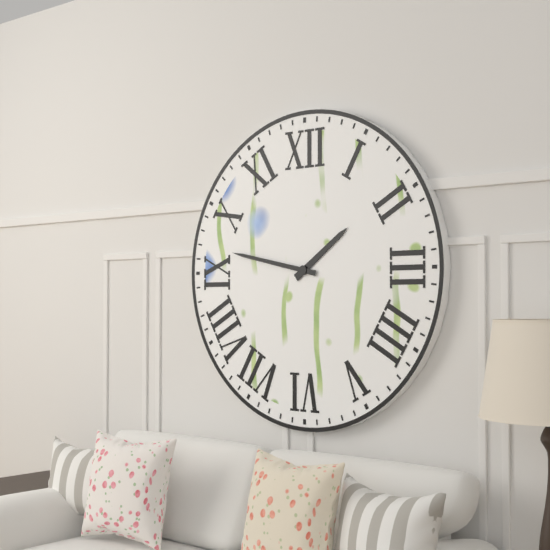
{"hour": 1, "minute": 47}
